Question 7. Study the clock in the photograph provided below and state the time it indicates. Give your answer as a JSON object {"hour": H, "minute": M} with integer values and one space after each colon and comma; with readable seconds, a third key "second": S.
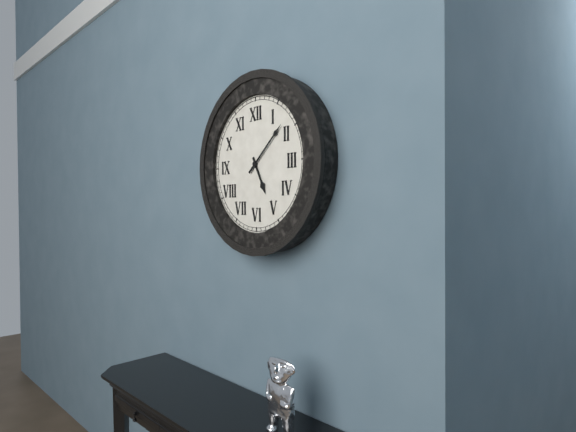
{"hour": 5, "minute": 8}
